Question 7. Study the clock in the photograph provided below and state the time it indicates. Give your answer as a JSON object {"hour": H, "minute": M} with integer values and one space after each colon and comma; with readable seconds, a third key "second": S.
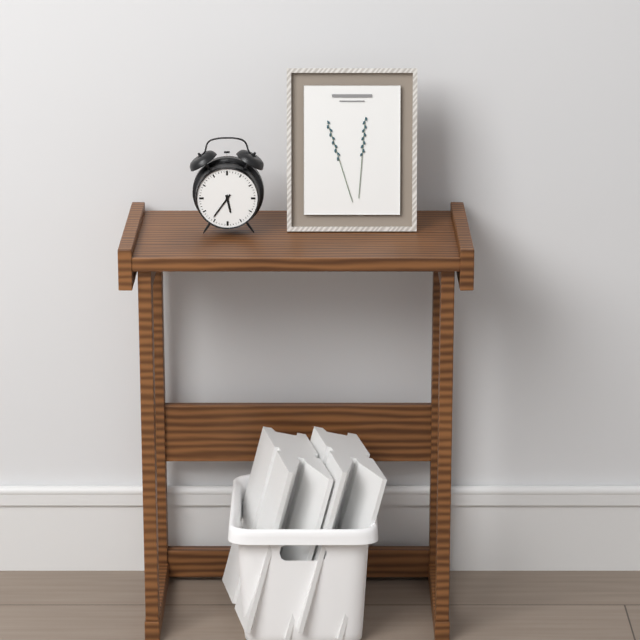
{"hour": 5, "minute": 36}
